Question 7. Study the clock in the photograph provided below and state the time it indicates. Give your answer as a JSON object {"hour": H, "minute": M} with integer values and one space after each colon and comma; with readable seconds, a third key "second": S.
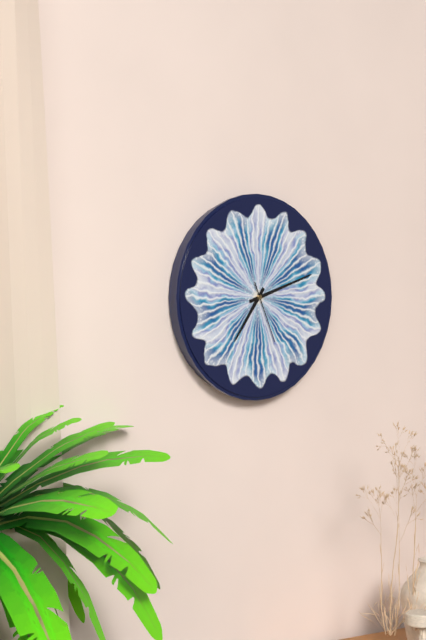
{"hour": 7, "minute": 12, "second": 26}
